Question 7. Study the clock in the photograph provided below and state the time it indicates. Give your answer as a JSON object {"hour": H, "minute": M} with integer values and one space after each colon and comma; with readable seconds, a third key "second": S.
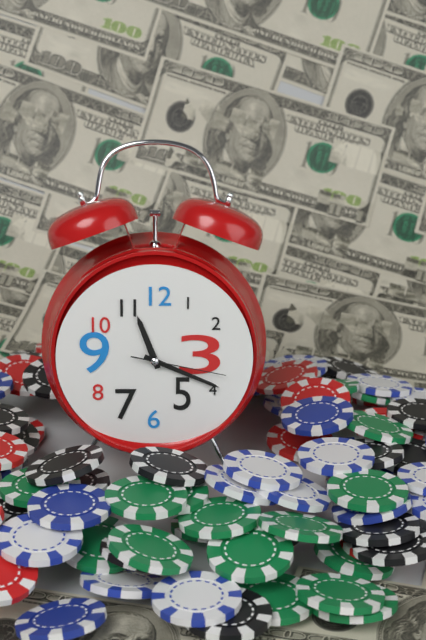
{"hour": 11, "minute": 19, "second": 17}
